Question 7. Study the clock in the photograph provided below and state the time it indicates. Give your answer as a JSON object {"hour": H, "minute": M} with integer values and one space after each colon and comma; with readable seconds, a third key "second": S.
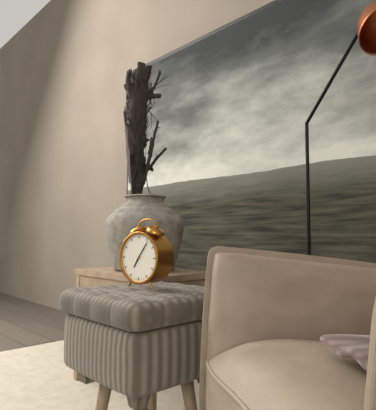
{"hour": 7, "minute": 6}
